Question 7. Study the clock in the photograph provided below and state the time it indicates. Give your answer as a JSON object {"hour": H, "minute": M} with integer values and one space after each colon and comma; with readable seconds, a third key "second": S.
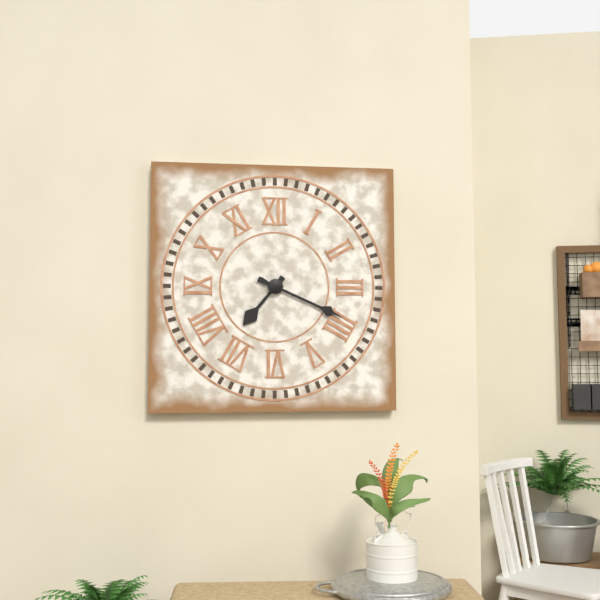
{"hour": 7, "minute": 19}
